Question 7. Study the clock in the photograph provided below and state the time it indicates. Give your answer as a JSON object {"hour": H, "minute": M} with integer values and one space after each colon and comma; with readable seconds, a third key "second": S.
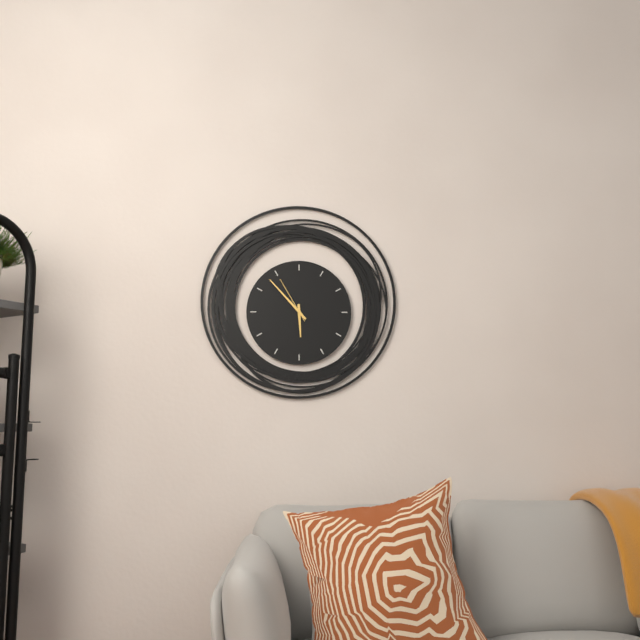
{"hour": 5, "minute": 53}
